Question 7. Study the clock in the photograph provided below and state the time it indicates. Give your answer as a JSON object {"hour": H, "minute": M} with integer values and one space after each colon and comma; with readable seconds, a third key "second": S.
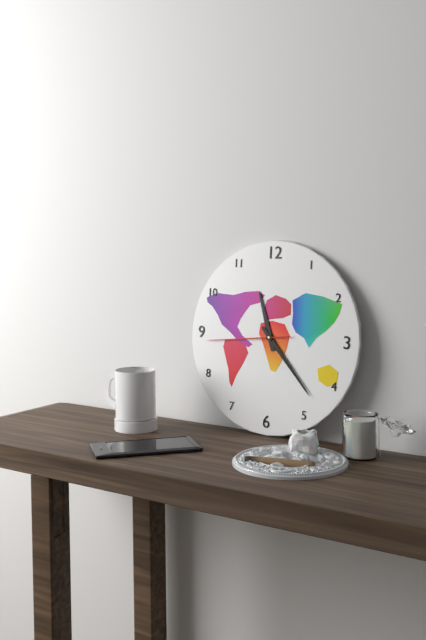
{"hour": 11, "minute": 23, "second": 44}
